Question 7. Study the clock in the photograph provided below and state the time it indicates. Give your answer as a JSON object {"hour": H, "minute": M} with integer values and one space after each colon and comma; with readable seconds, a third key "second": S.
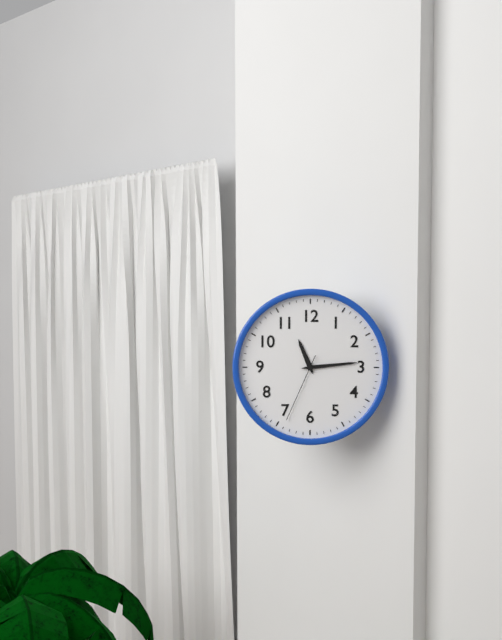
{"hour": 11, "minute": 14, "second": 34}
